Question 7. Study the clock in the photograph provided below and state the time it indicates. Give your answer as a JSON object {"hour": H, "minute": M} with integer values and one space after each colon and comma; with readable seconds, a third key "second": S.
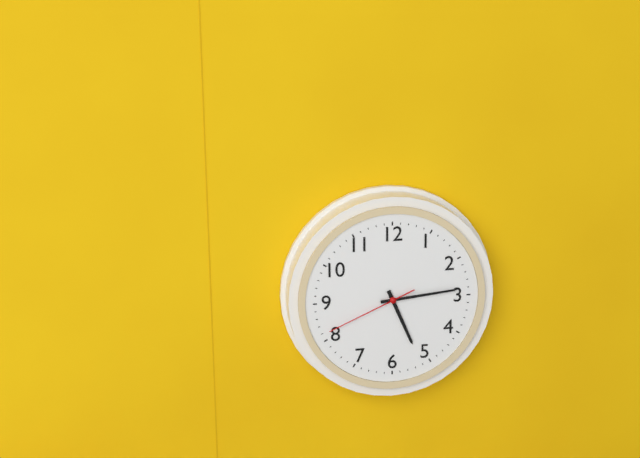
{"hour": 5, "minute": 14, "second": 41}
